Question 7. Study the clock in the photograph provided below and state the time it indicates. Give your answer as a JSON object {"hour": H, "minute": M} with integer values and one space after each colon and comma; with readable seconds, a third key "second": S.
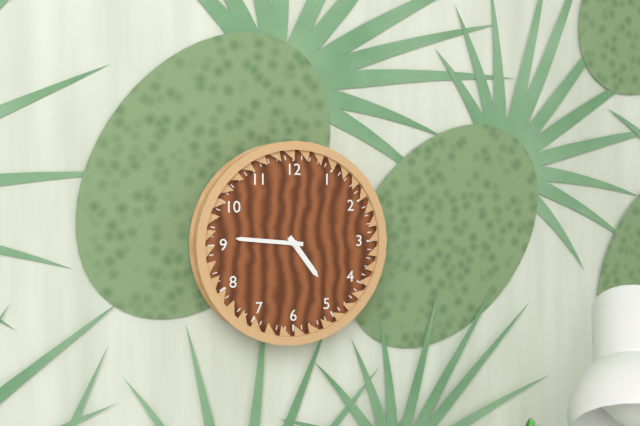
{"hour": 4, "minute": 46}
